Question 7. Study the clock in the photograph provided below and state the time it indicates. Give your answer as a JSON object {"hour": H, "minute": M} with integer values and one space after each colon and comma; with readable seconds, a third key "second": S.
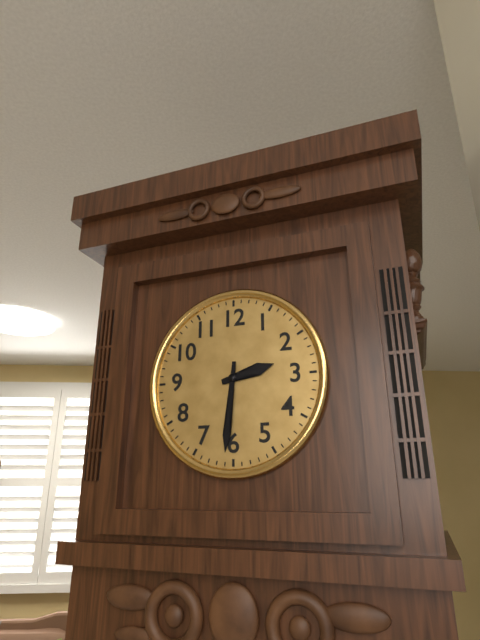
{"hour": 2, "minute": 31}
